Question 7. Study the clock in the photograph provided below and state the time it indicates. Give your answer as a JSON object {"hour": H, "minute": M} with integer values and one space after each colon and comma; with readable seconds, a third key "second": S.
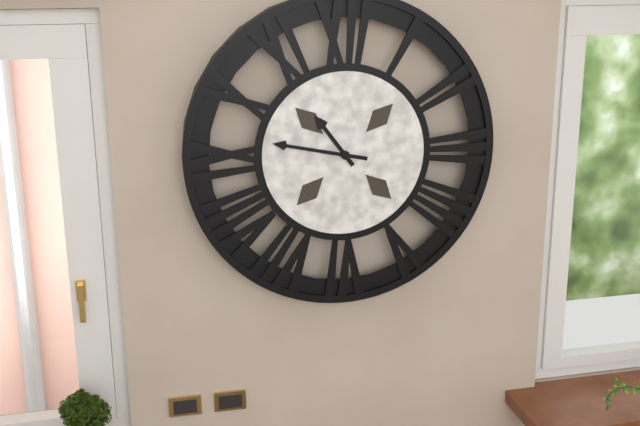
{"hour": 10, "minute": 47}
